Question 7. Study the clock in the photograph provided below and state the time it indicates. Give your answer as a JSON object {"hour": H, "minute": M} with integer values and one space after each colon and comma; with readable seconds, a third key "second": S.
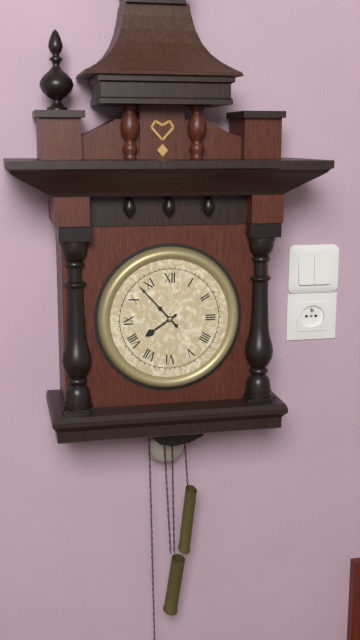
{"hour": 7, "minute": 53}
